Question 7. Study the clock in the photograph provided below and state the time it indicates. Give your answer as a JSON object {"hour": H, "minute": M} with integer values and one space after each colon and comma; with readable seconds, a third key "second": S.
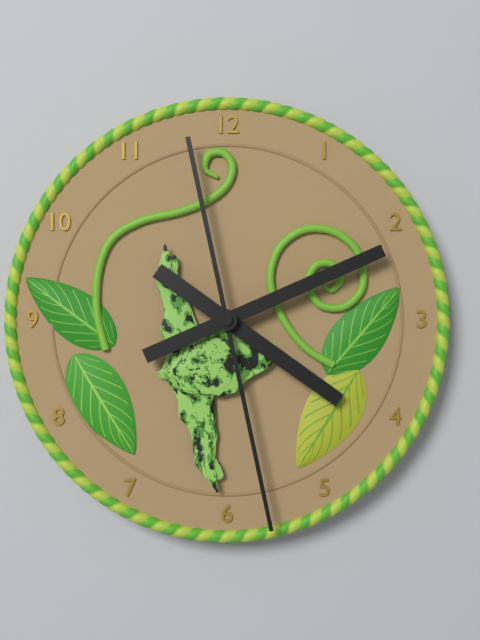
{"hour": 4, "minute": 11, "second": 28}
